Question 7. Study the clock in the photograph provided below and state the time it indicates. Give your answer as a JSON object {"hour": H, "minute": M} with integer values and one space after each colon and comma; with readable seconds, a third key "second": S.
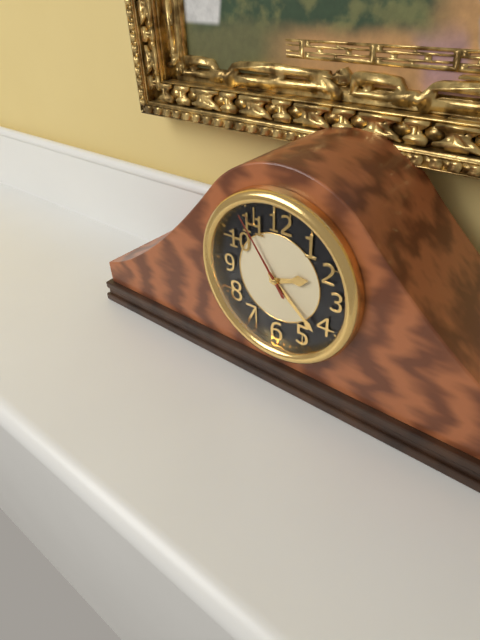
{"hour": 2, "minute": 22, "second": 54}
